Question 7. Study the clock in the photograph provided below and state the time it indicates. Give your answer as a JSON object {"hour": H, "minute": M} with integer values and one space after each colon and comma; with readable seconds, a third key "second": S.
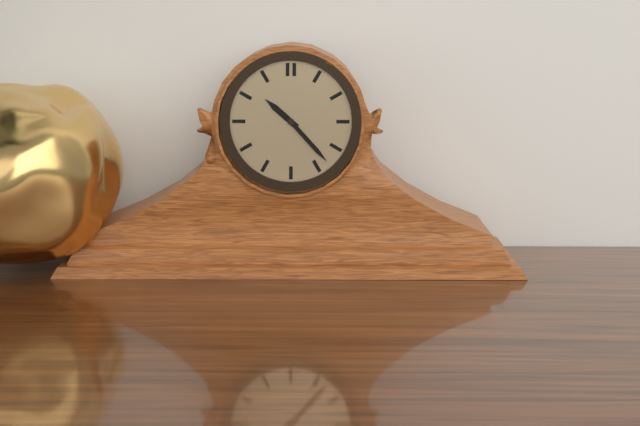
{"hour": 10, "minute": 23}
